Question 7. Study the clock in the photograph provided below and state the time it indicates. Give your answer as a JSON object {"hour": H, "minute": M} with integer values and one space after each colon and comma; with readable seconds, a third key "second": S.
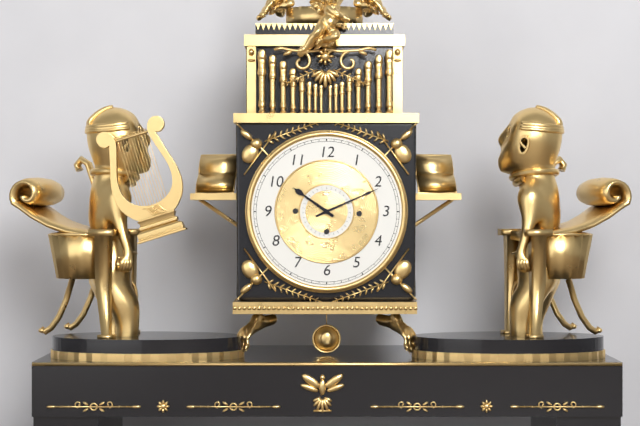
{"hour": 10, "minute": 11}
